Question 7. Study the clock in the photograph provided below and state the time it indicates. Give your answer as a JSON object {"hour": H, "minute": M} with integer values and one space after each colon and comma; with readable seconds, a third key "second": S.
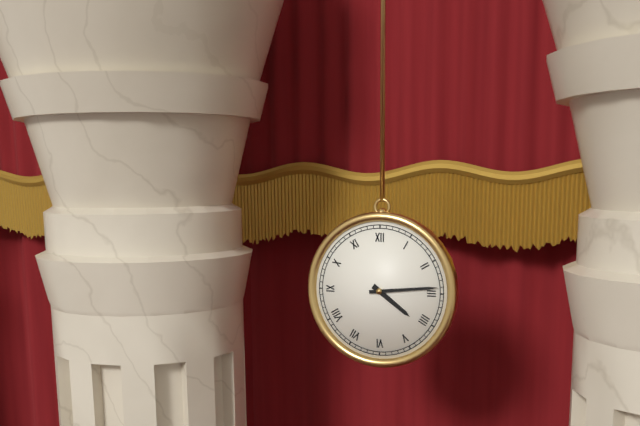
{"hour": 4, "minute": 14}
